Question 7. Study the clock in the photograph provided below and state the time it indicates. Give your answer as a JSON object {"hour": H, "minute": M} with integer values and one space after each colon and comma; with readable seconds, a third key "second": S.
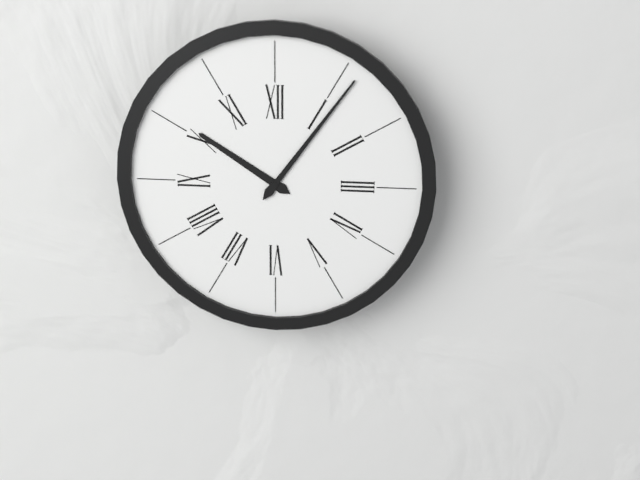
{"hour": 10, "minute": 6}
